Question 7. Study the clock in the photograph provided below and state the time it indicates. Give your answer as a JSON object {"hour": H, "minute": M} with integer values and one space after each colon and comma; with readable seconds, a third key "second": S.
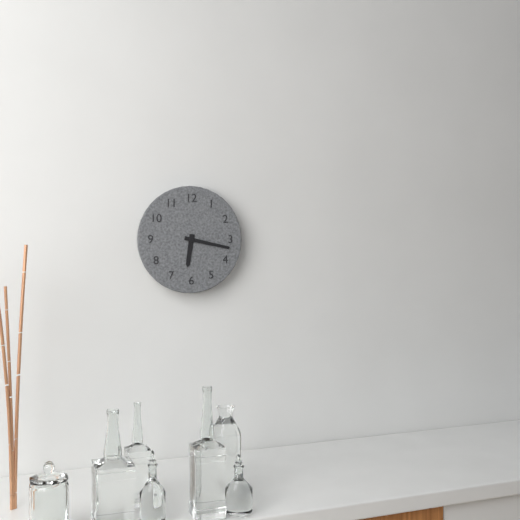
{"hour": 6, "minute": 17}
